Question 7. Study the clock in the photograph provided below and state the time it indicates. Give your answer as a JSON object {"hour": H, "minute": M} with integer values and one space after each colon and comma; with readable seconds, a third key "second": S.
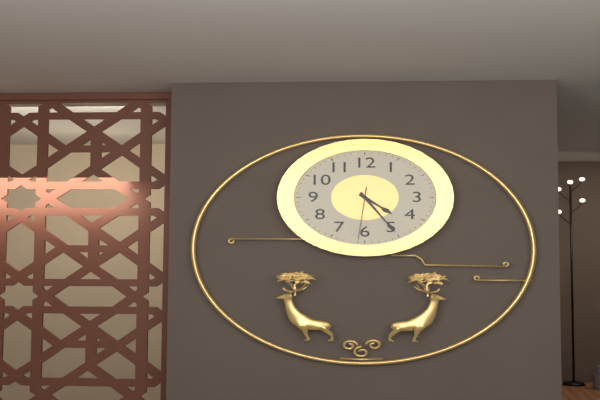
{"hour": 4, "minute": 25, "second": 31}
